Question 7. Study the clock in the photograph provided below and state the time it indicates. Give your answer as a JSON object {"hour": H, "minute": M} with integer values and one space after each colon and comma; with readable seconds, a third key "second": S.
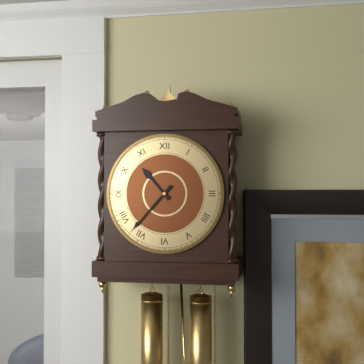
{"hour": 10, "minute": 37}
